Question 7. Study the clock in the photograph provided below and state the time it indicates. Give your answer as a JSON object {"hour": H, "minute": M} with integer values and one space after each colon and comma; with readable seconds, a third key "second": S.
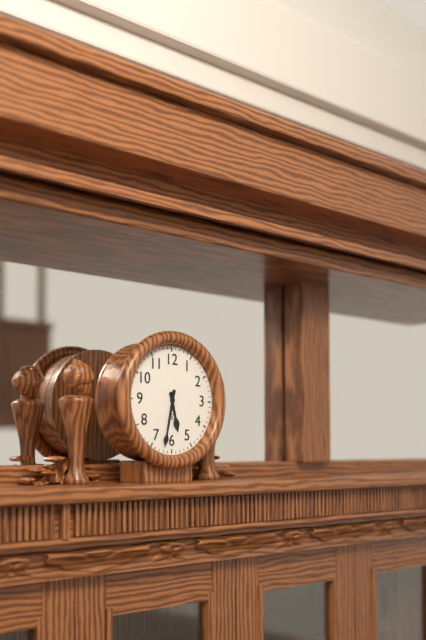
{"hour": 5, "minute": 32}
